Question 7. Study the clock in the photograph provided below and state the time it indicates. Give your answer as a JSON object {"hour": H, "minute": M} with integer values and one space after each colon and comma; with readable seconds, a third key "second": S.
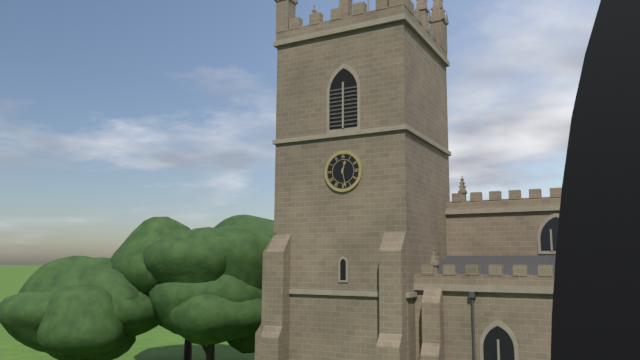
{"hour": 12, "minute": 28}
